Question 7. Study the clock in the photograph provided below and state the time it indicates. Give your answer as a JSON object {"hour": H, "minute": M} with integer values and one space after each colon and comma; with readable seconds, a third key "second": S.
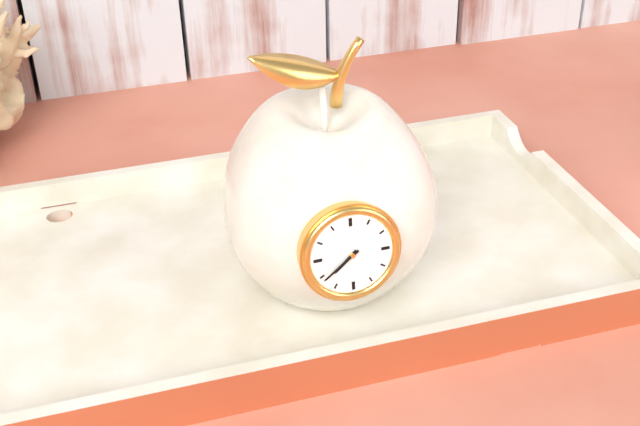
{"hour": 7, "minute": 39}
